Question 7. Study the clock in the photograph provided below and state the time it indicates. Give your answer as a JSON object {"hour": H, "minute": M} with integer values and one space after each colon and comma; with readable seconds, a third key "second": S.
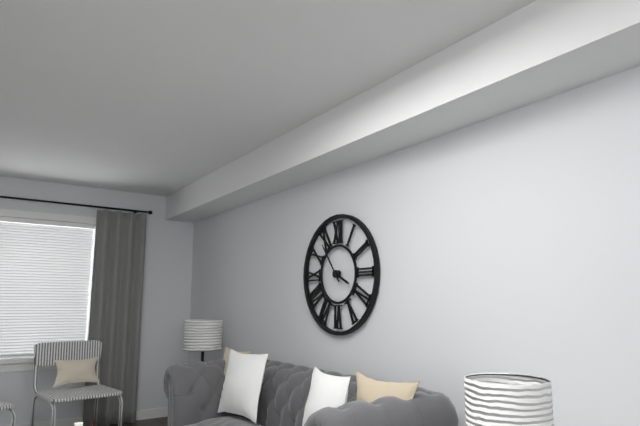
{"hour": 3, "minute": 54}
